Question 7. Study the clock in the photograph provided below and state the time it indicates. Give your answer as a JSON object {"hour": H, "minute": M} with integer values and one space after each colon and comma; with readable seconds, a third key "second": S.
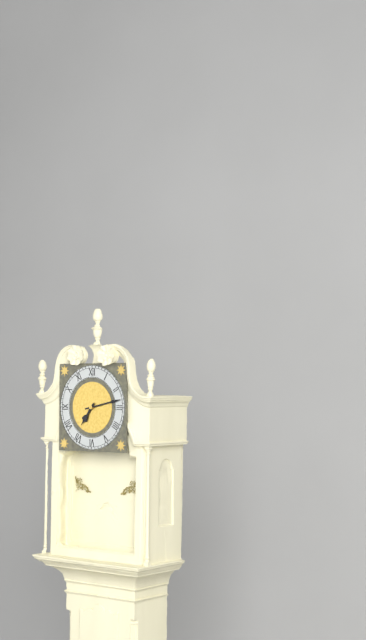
{"hour": 7, "minute": 13}
